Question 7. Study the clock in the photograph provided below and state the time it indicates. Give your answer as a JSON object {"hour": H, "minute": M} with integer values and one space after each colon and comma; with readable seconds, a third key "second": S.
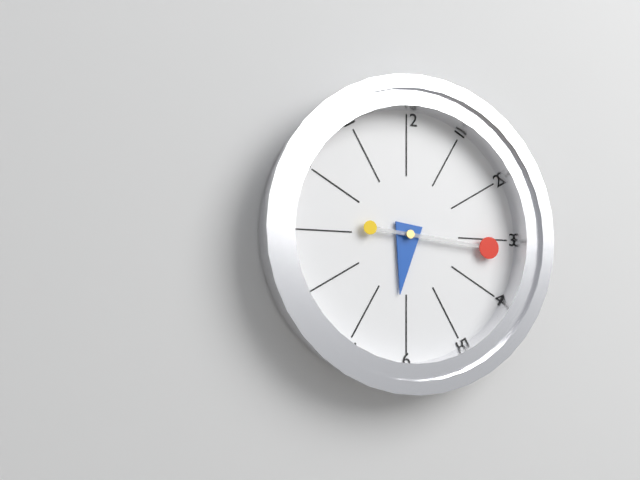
{"hour": 6, "minute": 16}
